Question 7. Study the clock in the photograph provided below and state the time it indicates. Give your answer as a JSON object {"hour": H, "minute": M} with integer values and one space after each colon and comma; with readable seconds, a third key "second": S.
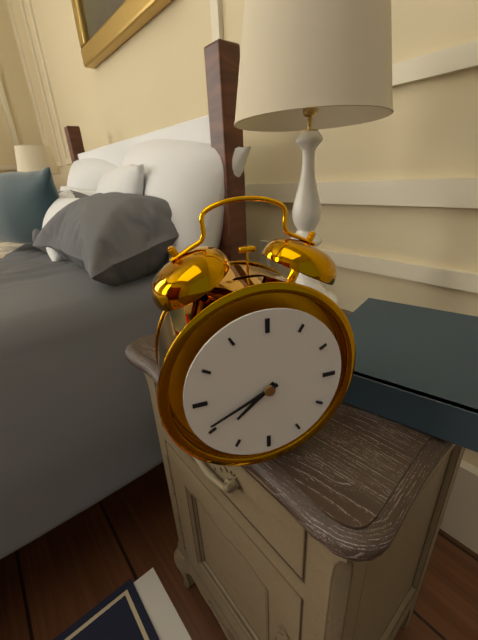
{"hour": 7, "minute": 41}
